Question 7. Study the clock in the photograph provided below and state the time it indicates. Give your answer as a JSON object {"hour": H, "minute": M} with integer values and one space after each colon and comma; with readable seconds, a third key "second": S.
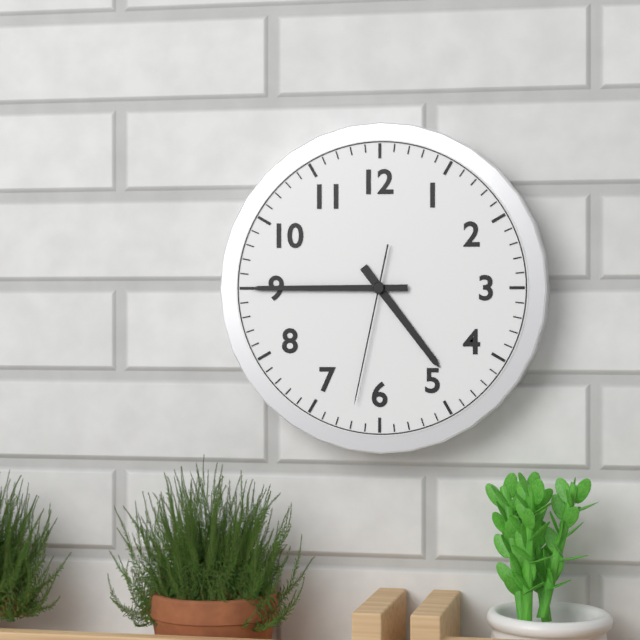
{"hour": 4, "minute": 45, "second": 32}
